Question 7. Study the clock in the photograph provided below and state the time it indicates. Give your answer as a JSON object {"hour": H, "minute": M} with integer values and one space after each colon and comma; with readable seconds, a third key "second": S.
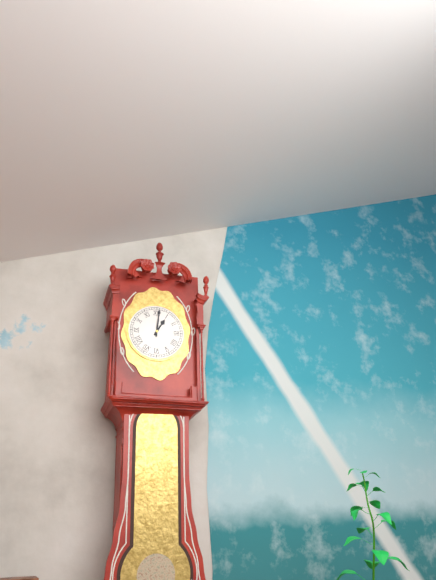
{"hour": 1, "minute": 1}
